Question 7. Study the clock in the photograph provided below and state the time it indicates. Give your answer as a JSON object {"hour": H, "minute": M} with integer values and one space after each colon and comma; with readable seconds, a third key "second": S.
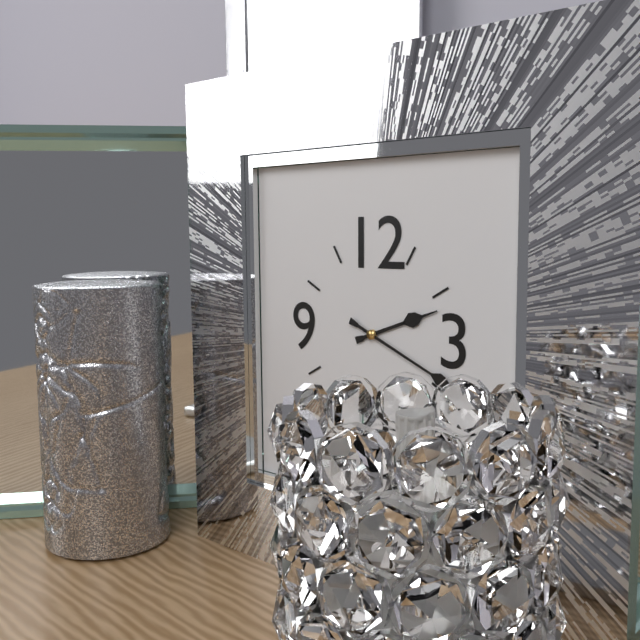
{"hour": 2, "minute": 19}
